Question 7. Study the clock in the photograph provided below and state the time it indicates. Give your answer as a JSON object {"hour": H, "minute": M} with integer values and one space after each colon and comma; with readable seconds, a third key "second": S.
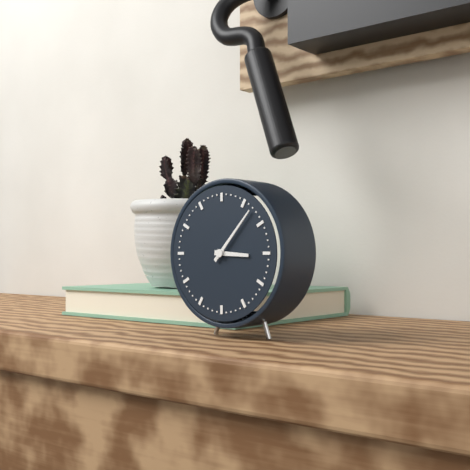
{"hour": 3, "minute": 7}
